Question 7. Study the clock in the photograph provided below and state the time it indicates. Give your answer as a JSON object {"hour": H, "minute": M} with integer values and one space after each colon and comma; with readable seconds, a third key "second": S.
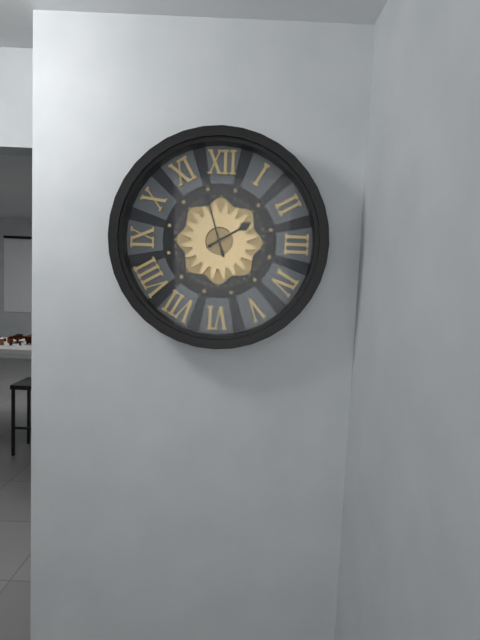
{"hour": 1, "minute": 57}
